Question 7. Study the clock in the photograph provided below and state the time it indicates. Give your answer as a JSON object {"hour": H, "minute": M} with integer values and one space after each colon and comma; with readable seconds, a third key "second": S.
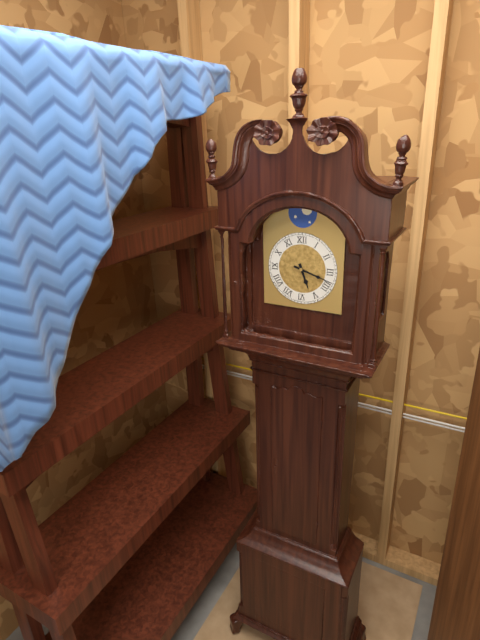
{"hour": 5, "minute": 18}
